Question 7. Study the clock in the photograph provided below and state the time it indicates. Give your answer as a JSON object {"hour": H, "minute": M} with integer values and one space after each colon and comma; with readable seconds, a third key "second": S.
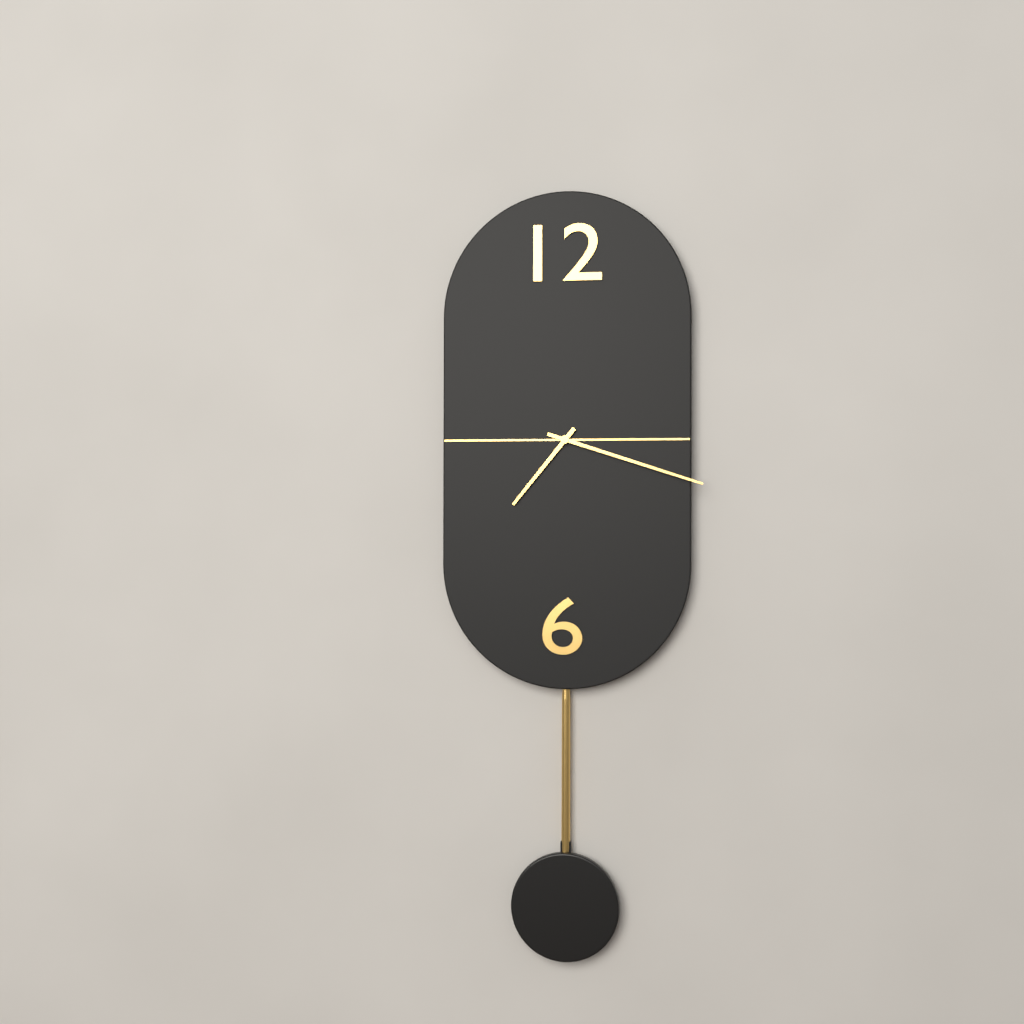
{"hour": 7, "minute": 18}
